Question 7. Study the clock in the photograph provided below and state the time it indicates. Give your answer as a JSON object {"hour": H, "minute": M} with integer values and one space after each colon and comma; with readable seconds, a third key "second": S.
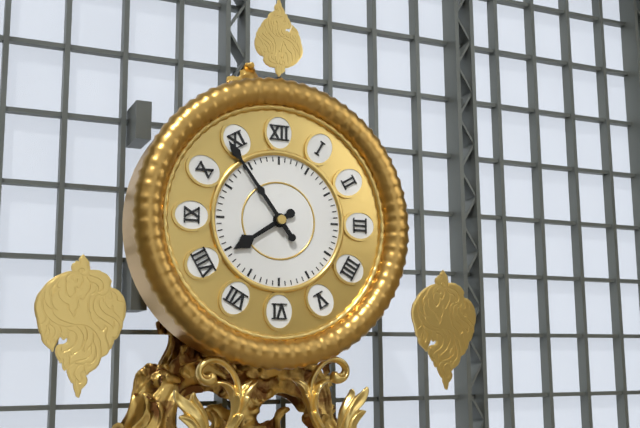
{"hour": 7, "minute": 54}
